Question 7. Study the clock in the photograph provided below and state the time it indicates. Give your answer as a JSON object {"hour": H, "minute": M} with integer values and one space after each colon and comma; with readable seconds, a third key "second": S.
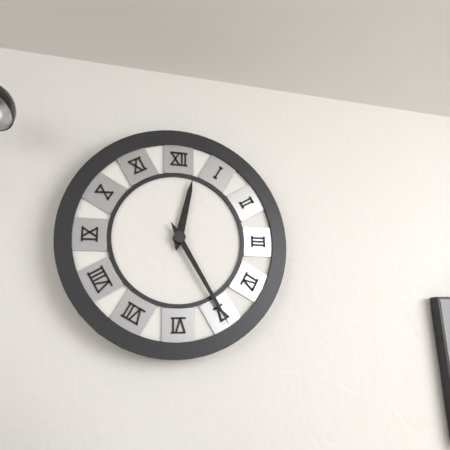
{"hour": 12, "minute": 25}
